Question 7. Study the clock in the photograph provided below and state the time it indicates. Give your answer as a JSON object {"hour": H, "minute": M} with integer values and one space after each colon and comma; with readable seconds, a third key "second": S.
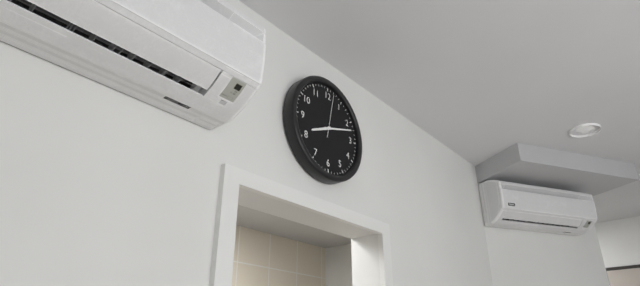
{"hour": 8, "minute": 12}
